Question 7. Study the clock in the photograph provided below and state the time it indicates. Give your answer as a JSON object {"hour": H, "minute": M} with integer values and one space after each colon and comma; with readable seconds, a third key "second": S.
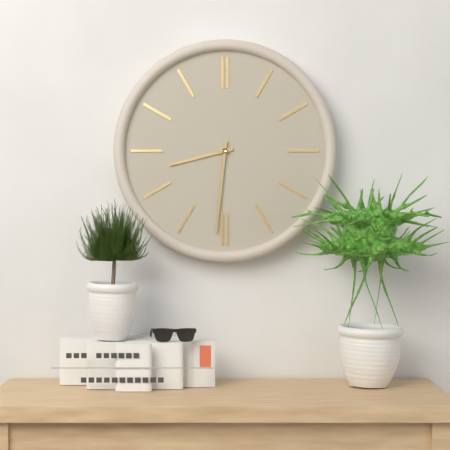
{"hour": 8, "minute": 31}
